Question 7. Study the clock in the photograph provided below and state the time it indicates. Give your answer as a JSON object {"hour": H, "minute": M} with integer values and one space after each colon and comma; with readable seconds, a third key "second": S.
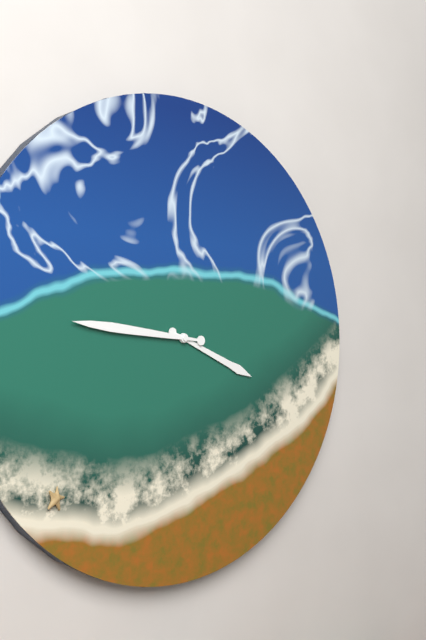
{"hour": 3, "minute": 46}
